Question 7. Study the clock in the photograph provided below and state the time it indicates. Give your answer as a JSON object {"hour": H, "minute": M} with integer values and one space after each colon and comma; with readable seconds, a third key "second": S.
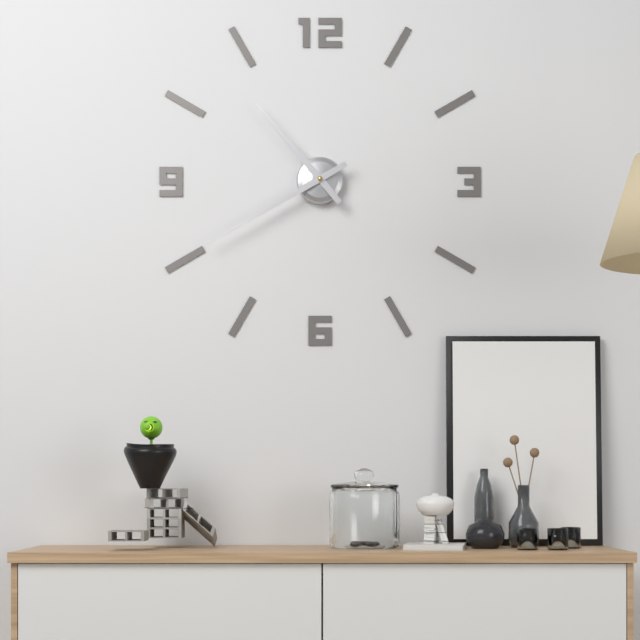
{"hour": 10, "minute": 40}
